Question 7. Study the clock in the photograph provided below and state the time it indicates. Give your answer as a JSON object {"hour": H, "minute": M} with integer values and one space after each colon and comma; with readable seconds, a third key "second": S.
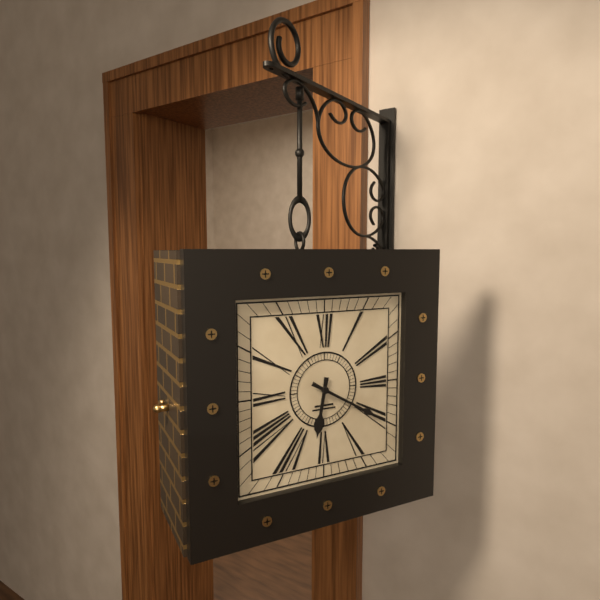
{"hour": 6, "minute": 20}
